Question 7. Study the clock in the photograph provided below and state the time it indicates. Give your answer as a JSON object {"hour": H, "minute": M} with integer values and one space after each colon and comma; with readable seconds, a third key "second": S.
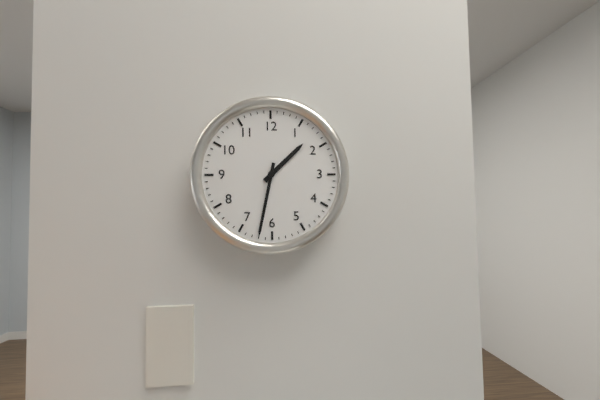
{"hour": 1, "minute": 32}
